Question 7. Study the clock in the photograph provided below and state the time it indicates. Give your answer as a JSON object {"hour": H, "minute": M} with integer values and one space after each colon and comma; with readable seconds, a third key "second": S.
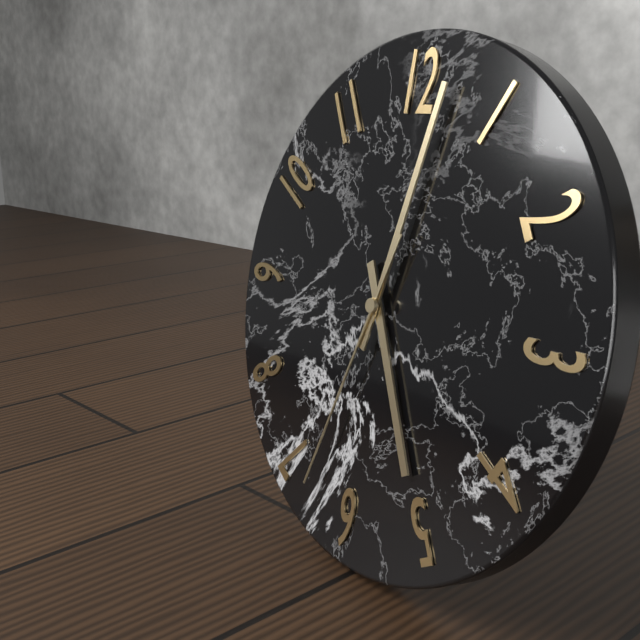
{"hour": 5, "minute": 2, "second": 33}
